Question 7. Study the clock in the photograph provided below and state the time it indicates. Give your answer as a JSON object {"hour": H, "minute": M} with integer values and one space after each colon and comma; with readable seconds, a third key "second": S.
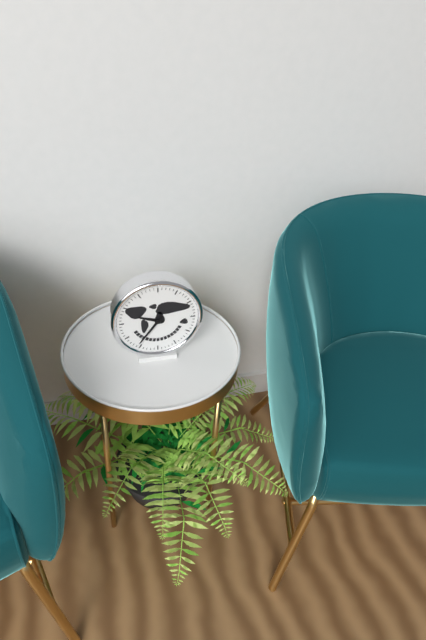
{"hour": 9, "minute": 36}
